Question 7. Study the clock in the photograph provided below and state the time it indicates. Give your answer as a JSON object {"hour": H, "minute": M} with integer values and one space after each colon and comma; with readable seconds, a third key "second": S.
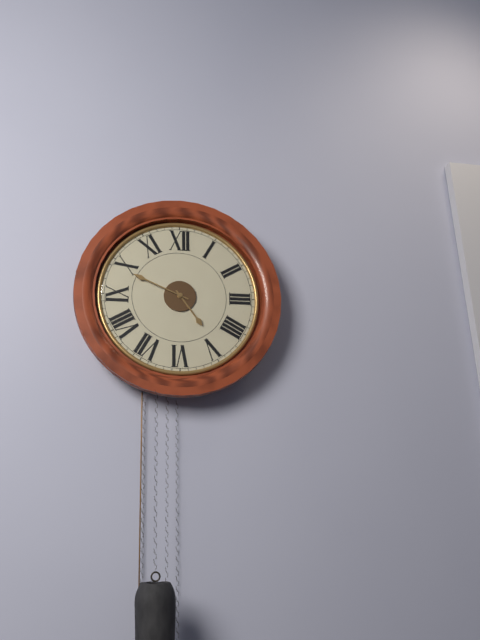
{"hour": 4, "minute": 49}
